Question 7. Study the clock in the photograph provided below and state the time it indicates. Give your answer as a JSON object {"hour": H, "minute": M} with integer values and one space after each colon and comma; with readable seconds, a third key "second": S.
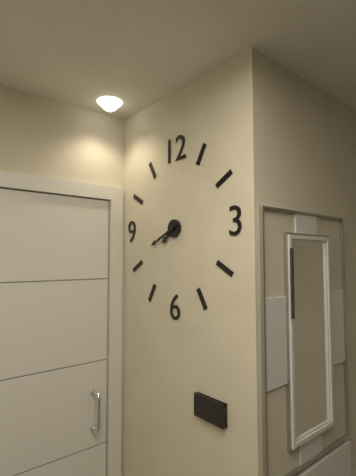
{"hour": 7, "minute": 41}
